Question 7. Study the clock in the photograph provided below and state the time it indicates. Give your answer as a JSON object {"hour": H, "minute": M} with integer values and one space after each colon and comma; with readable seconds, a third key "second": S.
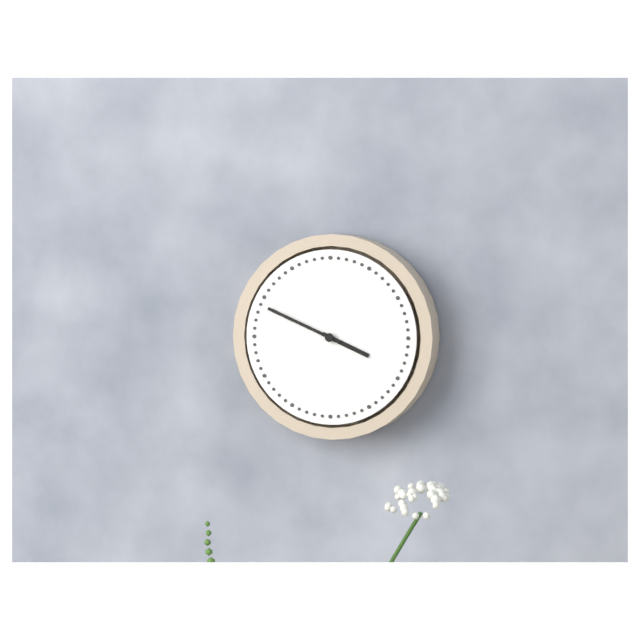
{"hour": 3, "minute": 49}
